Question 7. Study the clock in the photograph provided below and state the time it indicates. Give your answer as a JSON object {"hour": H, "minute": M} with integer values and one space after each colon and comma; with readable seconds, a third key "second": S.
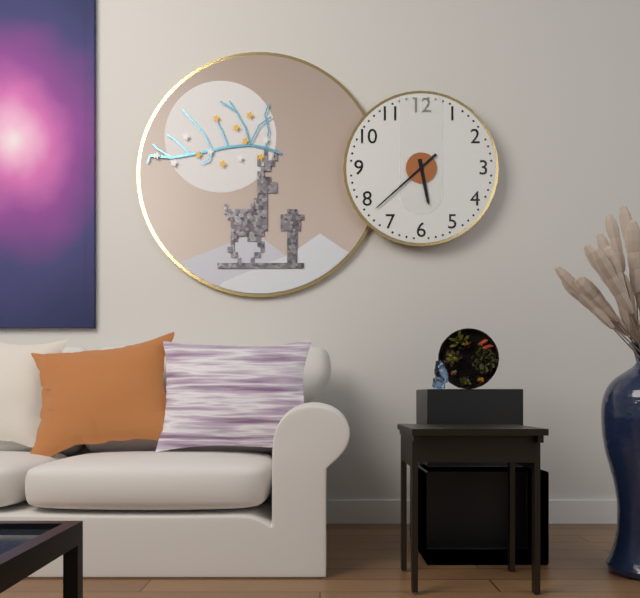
{"hour": 5, "minute": 38}
